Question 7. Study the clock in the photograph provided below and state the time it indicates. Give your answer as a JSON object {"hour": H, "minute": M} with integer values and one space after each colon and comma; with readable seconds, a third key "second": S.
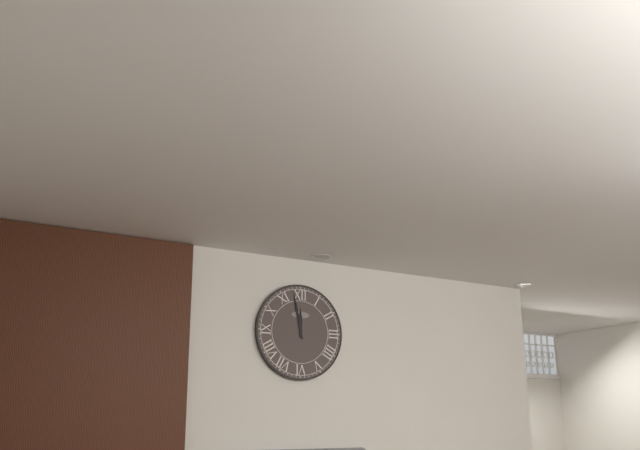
{"hour": 11, "minute": 58}
